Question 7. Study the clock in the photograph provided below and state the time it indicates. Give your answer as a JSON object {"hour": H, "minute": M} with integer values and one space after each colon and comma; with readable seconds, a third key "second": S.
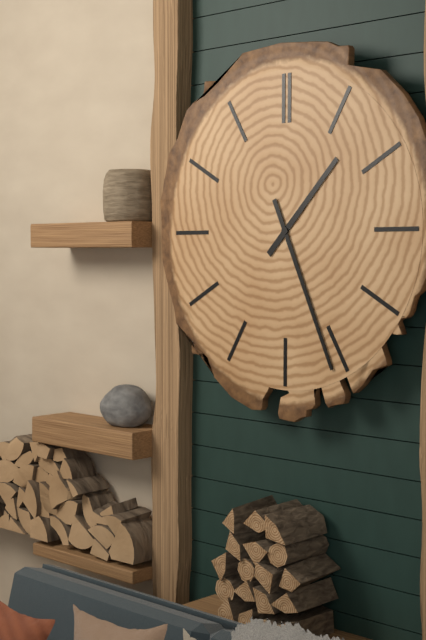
{"hour": 1, "minute": 26}
